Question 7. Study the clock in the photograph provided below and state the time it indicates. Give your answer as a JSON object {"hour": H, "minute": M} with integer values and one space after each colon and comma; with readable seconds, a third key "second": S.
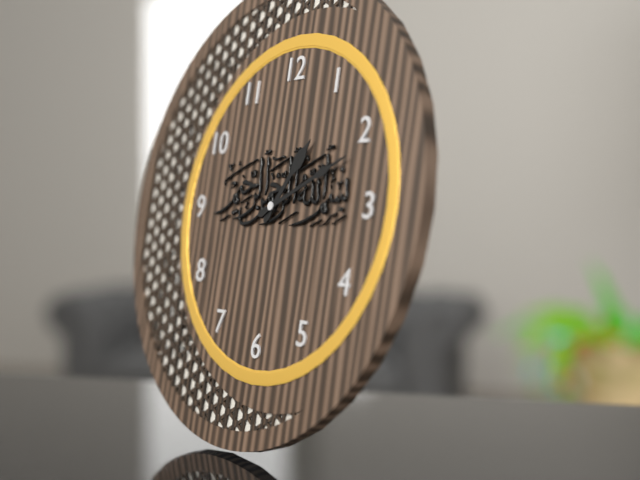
{"hour": 1, "minute": 11}
